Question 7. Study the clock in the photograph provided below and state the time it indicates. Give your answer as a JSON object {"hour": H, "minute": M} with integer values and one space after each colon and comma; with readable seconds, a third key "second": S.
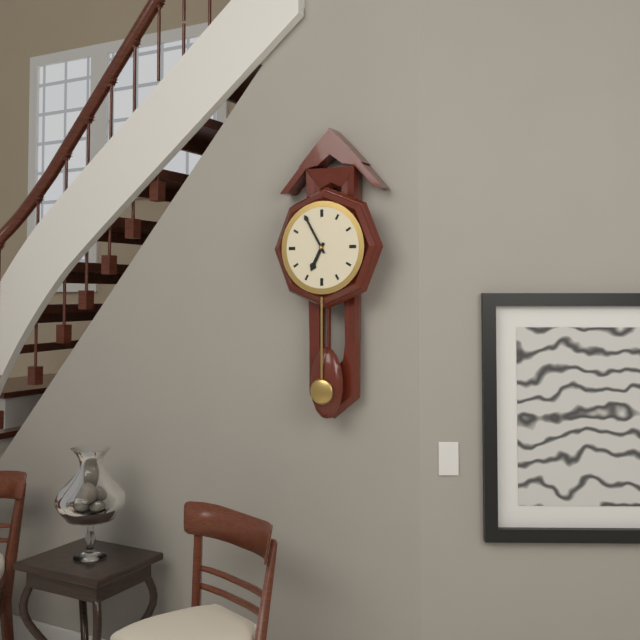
{"hour": 6, "minute": 55}
